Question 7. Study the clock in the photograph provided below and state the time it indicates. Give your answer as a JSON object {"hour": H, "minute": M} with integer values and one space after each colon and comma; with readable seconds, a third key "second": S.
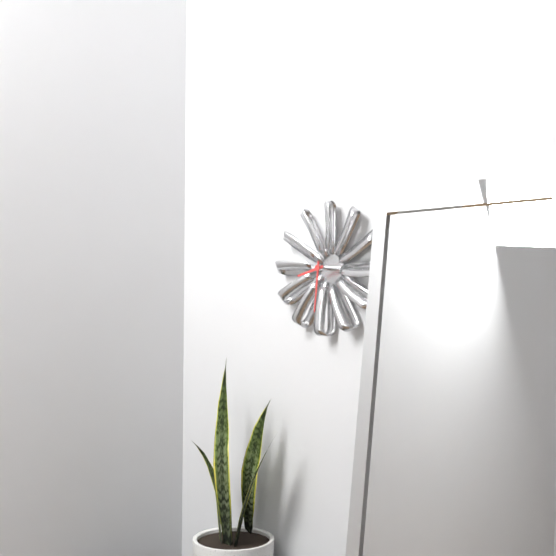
{"hour": 8, "minute": 31}
